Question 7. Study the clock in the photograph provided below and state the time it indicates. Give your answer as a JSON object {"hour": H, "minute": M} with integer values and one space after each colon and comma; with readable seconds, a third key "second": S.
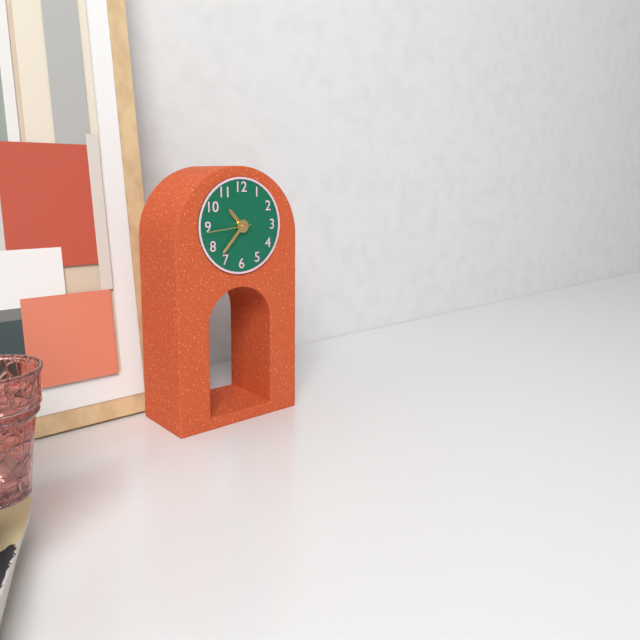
{"hour": 10, "minute": 37}
